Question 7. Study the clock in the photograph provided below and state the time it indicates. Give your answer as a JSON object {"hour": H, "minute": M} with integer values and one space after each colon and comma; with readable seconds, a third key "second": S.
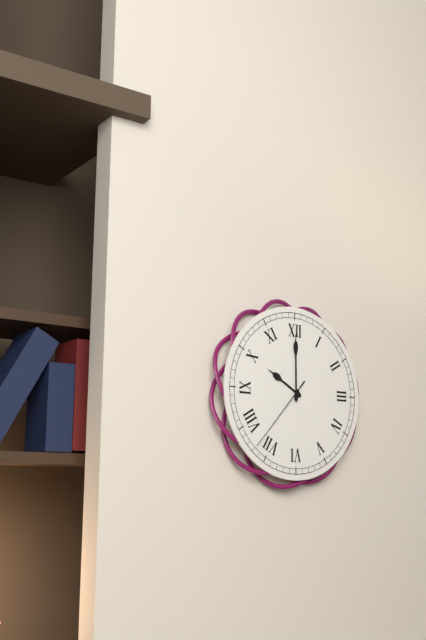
{"hour": 10, "minute": 0, "second": 37}
